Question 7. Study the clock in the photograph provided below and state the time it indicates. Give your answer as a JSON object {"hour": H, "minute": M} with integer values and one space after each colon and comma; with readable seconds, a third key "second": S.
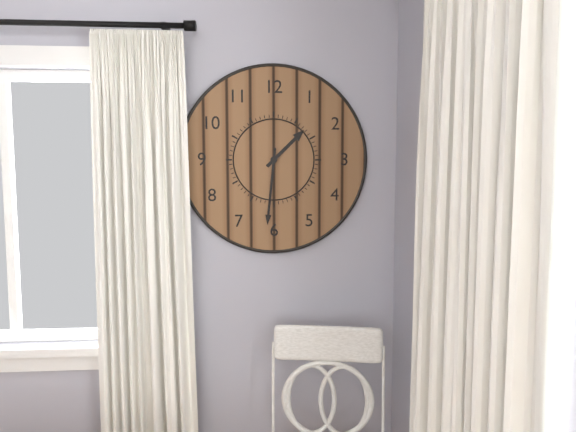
{"hour": 1, "minute": 31}
